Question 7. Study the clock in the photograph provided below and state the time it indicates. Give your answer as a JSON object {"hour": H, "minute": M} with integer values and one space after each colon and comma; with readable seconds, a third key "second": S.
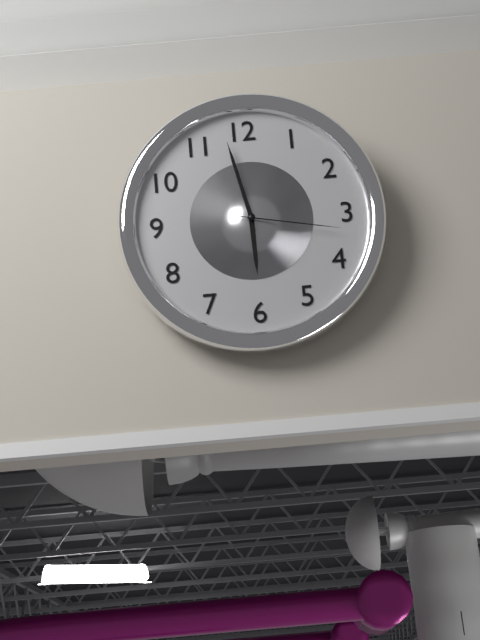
{"hour": 5, "minute": 58, "second": 17}
